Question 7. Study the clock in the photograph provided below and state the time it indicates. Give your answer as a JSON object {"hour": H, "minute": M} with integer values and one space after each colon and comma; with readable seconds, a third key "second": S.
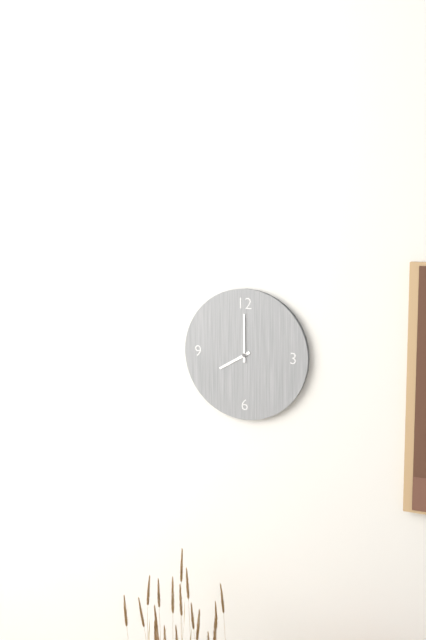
{"hour": 8, "minute": 0}
